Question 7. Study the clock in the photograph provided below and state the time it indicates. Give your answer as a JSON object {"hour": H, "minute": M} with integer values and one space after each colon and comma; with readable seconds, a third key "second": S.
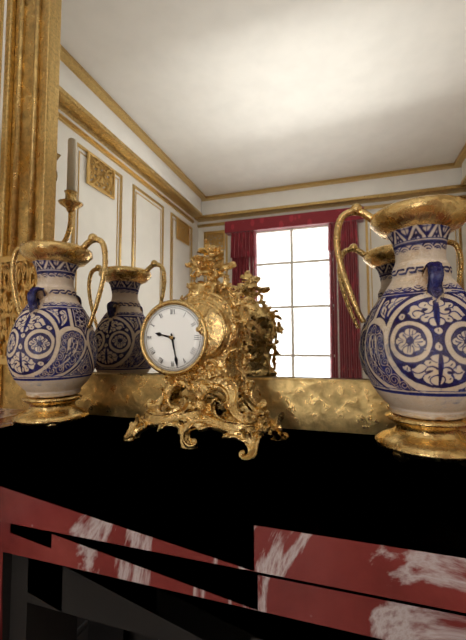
{"hour": 9, "minute": 28}
